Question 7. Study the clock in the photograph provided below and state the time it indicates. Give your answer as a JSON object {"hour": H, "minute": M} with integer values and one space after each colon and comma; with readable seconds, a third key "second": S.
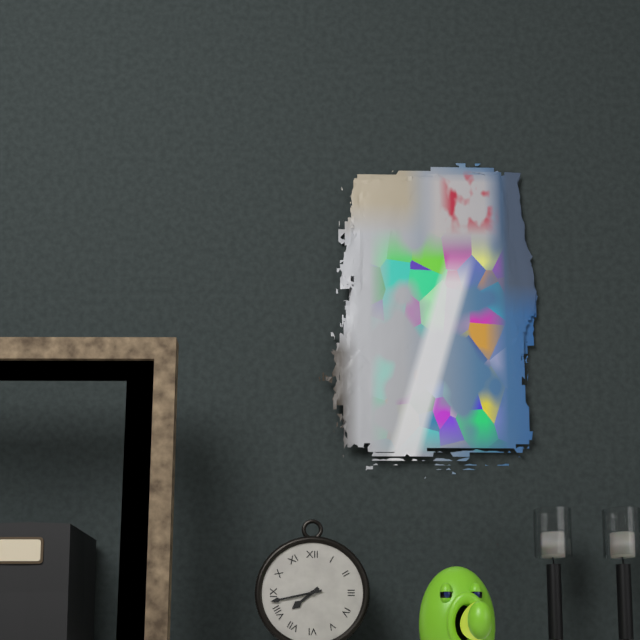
{"hour": 7, "minute": 43}
